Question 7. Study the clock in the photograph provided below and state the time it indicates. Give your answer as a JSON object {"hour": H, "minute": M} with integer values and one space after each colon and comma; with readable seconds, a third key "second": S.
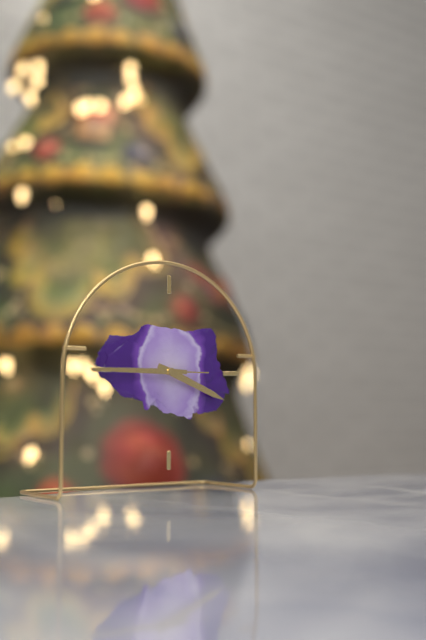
{"hour": 3, "minute": 45, "second": 45}
